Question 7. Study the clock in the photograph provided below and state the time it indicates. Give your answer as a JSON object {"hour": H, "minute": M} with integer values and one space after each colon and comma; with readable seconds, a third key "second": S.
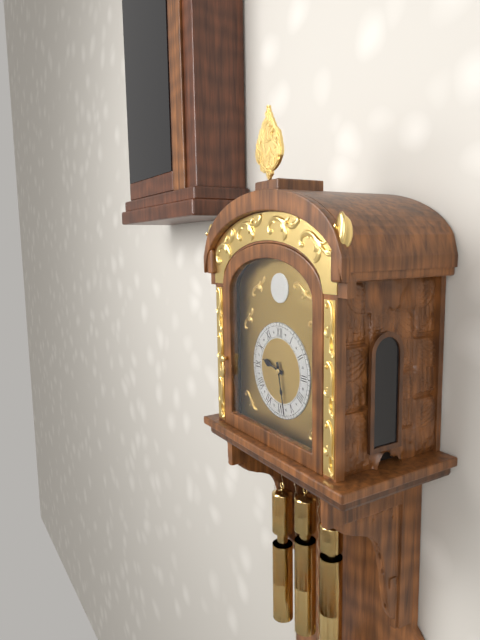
{"hour": 9, "minute": 28}
